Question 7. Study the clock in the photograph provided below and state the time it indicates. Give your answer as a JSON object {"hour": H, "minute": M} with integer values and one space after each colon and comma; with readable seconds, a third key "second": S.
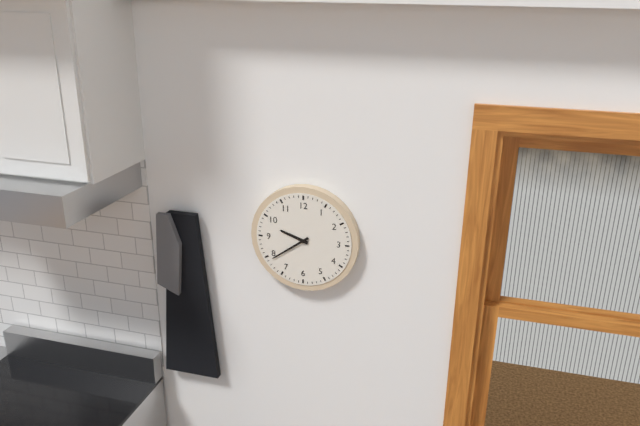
{"hour": 9, "minute": 39}
